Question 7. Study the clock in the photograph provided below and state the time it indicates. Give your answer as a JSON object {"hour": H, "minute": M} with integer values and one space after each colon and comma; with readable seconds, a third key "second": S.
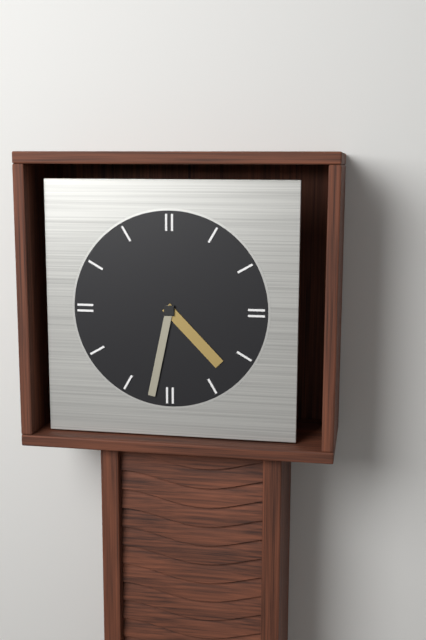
{"hour": 4, "minute": 32}
